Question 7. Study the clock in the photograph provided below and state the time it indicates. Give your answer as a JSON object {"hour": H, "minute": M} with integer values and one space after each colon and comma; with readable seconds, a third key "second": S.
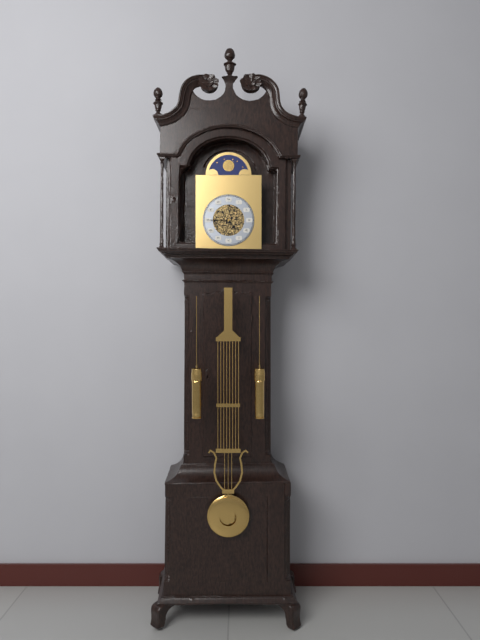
{"hour": 4, "minute": 45}
